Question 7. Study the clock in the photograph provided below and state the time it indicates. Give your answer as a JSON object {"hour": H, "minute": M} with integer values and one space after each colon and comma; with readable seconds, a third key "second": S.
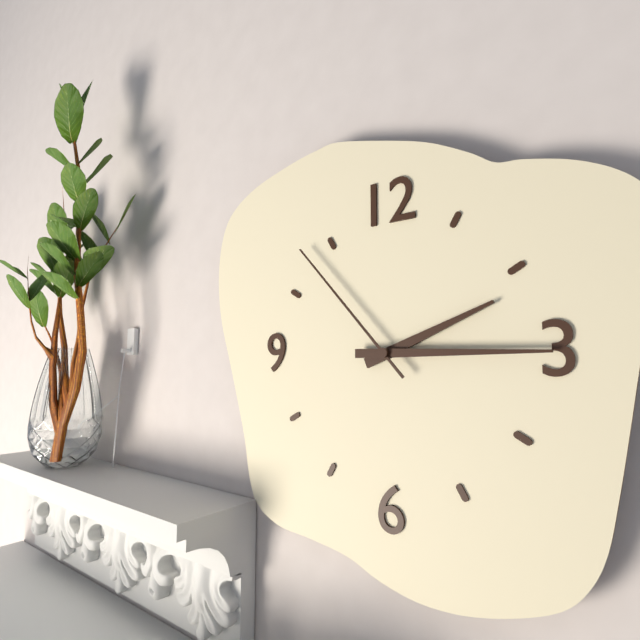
{"hour": 2, "minute": 15, "second": 53}
